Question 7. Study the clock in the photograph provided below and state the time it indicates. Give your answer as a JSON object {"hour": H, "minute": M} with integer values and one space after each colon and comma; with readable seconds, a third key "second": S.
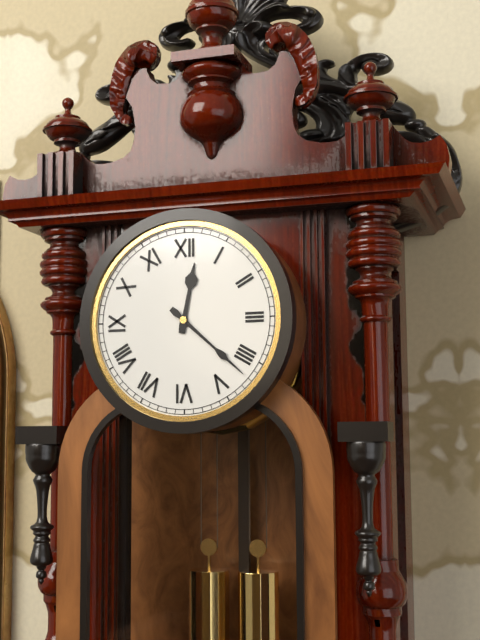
{"hour": 12, "minute": 22}
